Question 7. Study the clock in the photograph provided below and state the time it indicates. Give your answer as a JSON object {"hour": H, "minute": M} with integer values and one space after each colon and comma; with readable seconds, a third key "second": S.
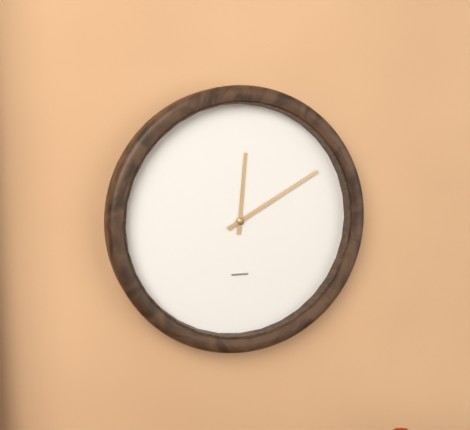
{"hour": 12, "minute": 10}
